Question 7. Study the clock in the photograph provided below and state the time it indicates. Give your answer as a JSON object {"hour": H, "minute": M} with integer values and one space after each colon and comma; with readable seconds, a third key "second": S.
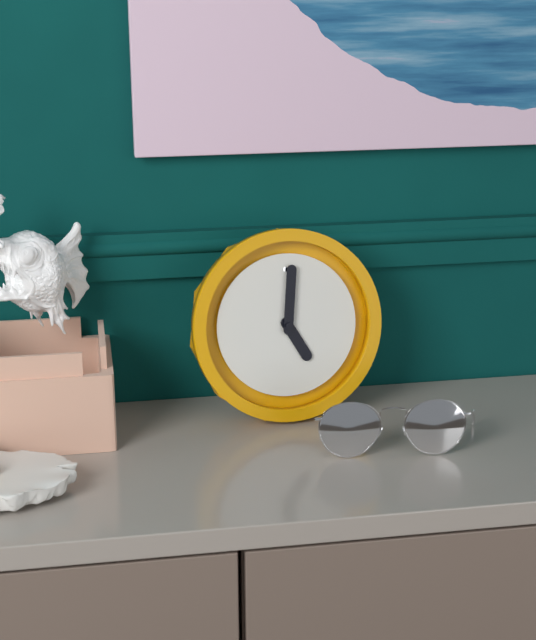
{"hour": 5, "minute": 1}
